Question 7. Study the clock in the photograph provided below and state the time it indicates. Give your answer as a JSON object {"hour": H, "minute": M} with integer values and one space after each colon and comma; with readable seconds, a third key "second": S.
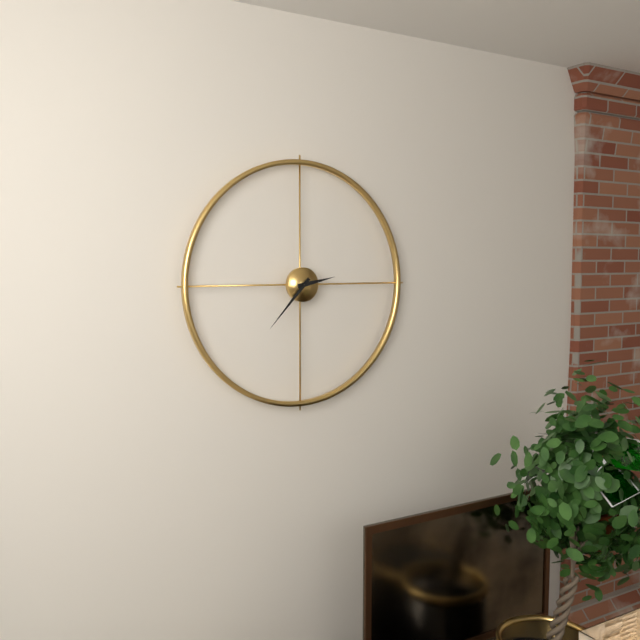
{"hour": 2, "minute": 37}
